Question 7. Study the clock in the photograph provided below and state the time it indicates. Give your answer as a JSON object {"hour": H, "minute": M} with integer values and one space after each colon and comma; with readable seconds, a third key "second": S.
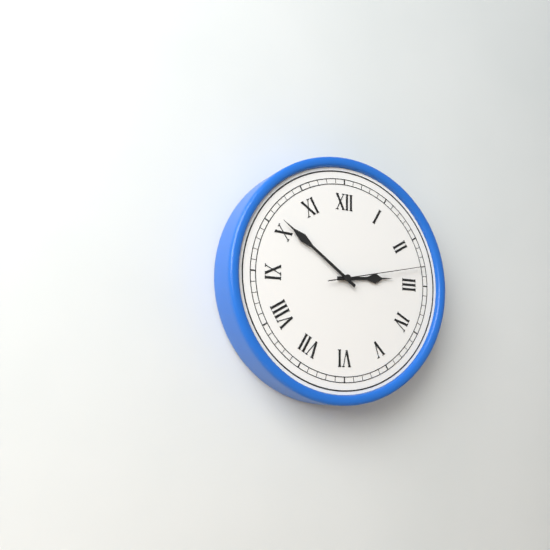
{"hour": 2, "minute": 51, "second": 13}
